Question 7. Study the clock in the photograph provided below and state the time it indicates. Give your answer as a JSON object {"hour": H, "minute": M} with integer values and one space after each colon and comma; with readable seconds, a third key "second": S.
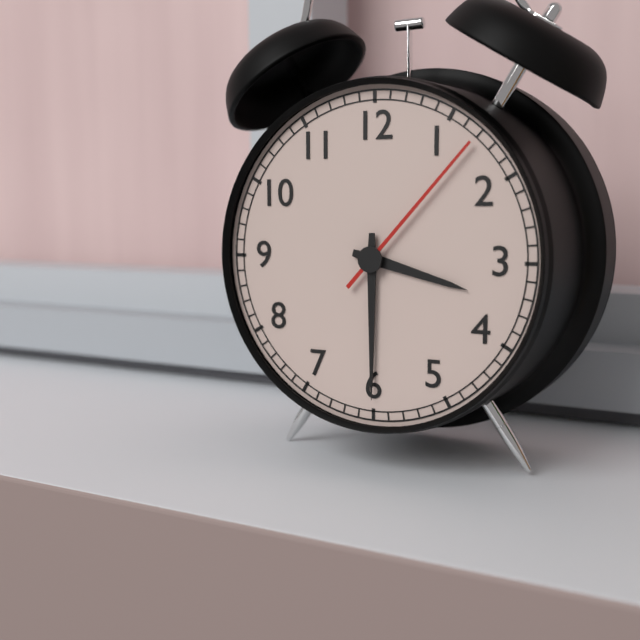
{"hour": 3, "minute": 30, "second": 7}
